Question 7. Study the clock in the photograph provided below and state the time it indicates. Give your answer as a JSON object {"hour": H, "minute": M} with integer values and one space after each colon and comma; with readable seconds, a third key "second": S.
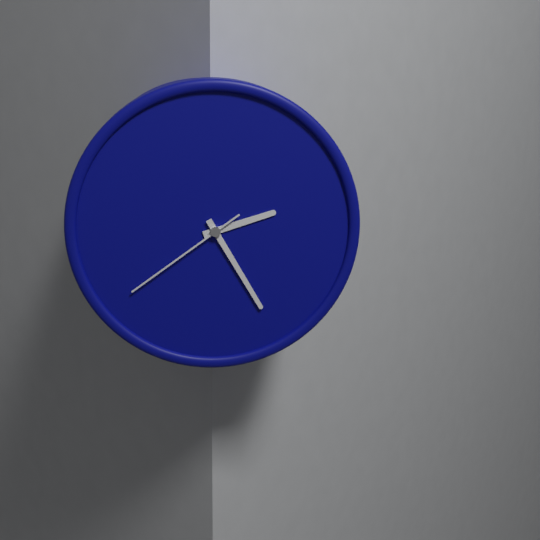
{"hour": 2, "minute": 25, "second": 39}
